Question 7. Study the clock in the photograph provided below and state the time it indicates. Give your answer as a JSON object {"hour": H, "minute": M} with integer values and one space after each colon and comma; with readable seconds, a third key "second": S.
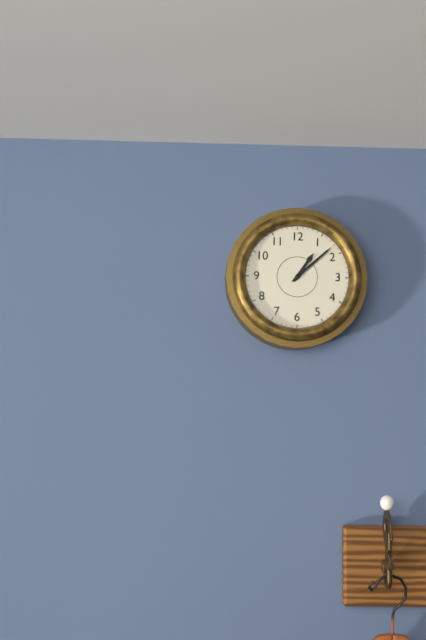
{"hour": 1, "minute": 8}
